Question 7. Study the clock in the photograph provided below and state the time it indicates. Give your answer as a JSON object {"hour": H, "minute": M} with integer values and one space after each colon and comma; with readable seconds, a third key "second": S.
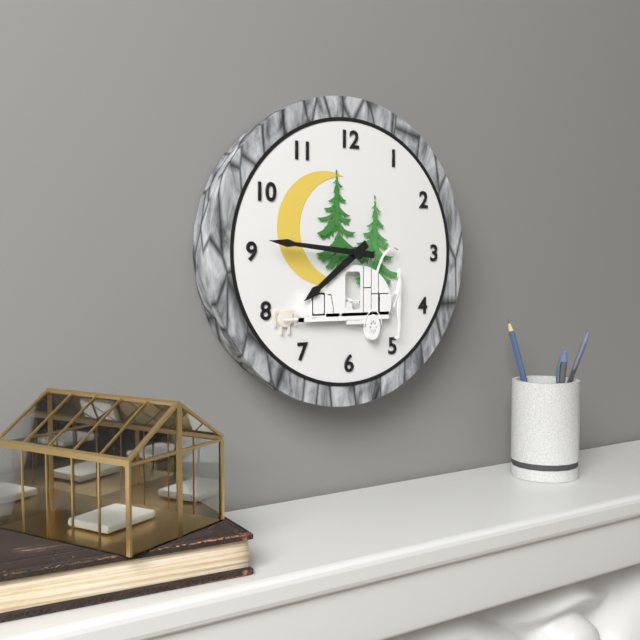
{"hour": 7, "minute": 46}
